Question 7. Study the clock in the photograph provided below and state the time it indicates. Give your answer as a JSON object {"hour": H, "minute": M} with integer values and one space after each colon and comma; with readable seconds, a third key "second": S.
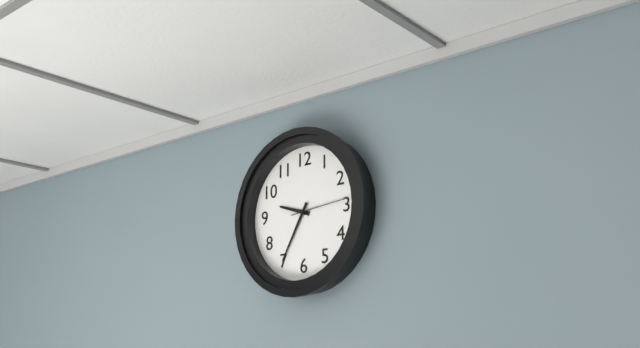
{"hour": 9, "minute": 35, "second": 14}
